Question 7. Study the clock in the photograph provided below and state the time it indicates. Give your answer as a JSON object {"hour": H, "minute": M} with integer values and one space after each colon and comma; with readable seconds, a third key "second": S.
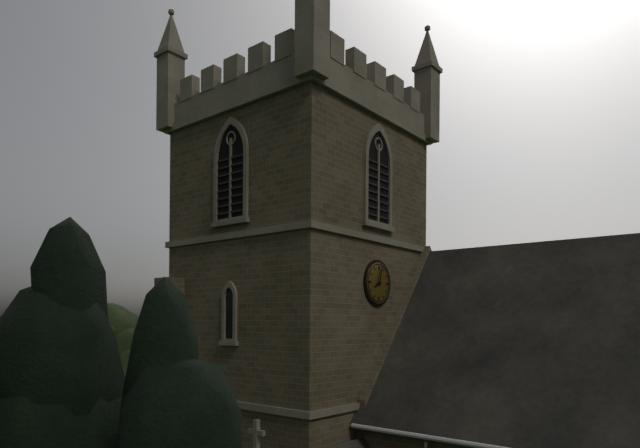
{"hour": 8, "minute": 2}
